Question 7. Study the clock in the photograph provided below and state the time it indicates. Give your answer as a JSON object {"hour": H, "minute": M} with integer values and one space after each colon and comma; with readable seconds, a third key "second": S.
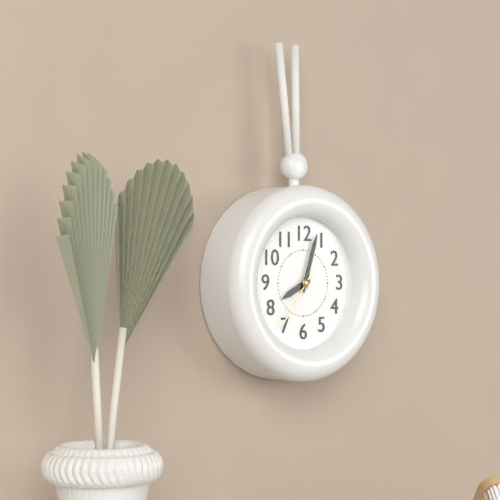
{"hour": 8, "minute": 3, "second": 36}
